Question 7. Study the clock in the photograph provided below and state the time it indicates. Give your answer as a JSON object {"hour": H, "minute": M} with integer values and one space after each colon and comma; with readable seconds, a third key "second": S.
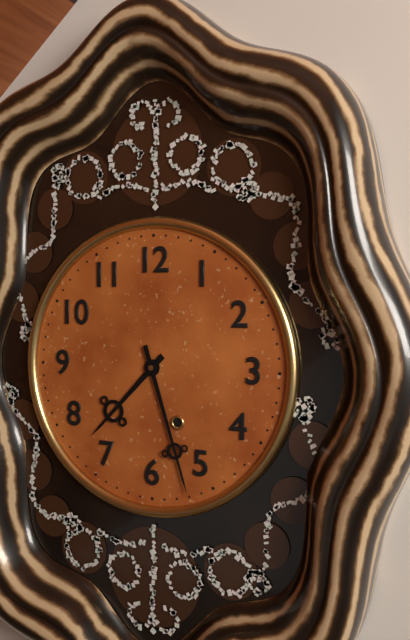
{"hour": 7, "minute": 27}
